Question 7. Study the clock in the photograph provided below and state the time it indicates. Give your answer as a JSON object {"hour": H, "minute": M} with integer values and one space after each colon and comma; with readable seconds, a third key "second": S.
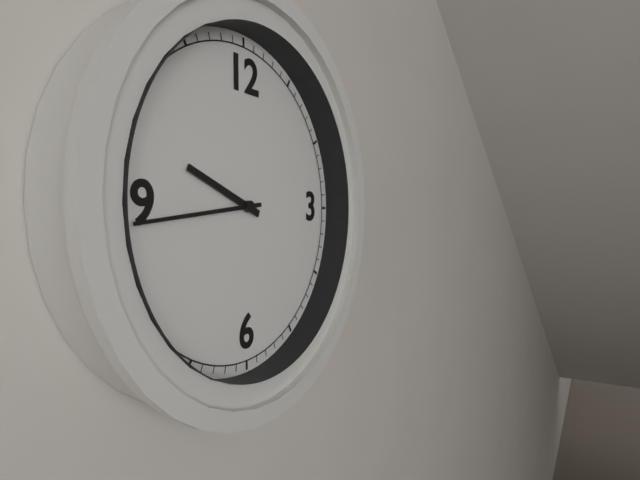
{"hour": 9, "minute": 44}
